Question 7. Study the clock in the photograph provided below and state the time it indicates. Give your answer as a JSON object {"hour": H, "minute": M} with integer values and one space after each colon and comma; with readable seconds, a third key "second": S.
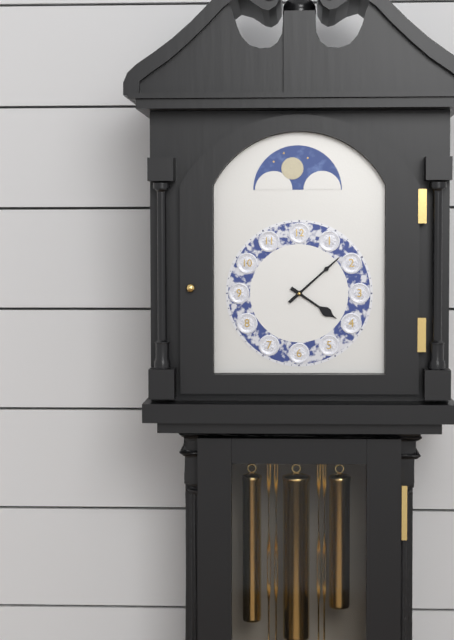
{"hour": 4, "minute": 8}
